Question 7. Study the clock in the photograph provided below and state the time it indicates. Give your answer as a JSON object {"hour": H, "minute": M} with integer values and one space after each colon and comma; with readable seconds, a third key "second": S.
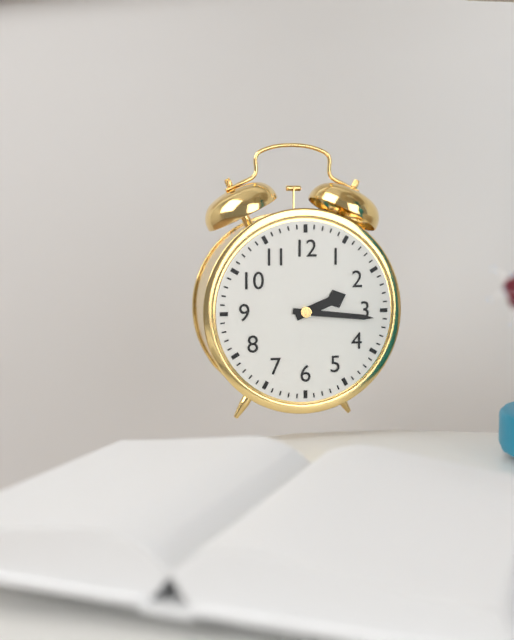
{"hour": 2, "minute": 16}
